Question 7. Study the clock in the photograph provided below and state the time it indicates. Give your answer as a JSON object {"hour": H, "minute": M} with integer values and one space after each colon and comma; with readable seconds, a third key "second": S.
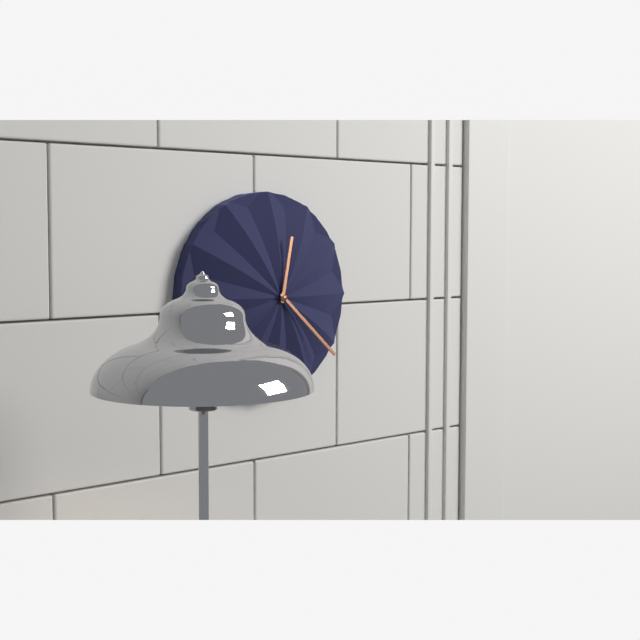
{"hour": 12, "minute": 22}
